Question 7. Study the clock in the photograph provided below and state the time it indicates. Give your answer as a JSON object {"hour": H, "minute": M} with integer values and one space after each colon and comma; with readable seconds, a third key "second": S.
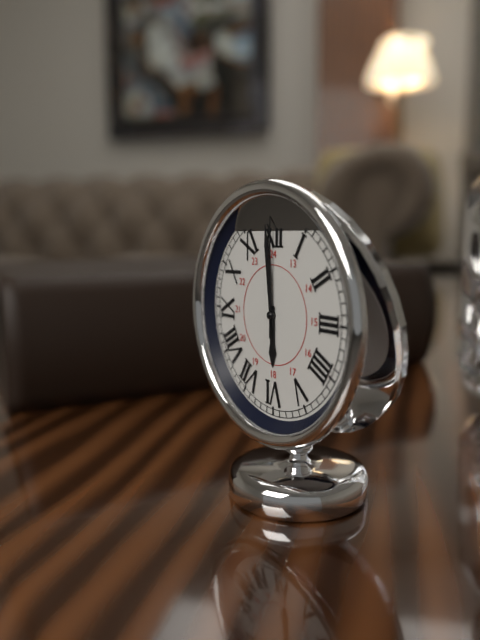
{"hour": 5, "minute": 59, "second": 0}
